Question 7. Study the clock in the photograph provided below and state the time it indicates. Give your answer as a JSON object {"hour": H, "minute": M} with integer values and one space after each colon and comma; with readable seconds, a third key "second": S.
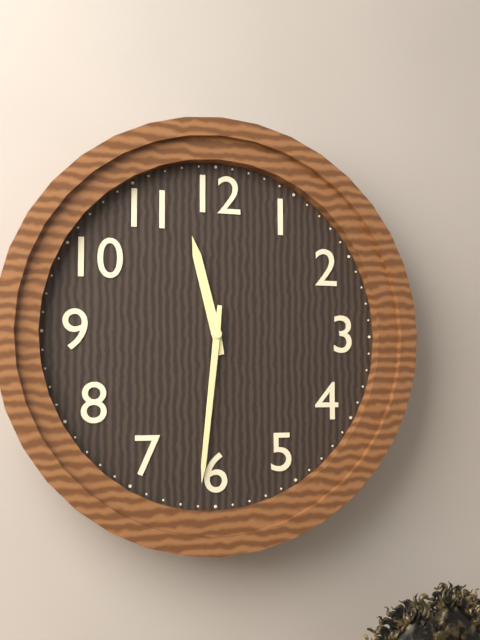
{"hour": 11, "minute": 31}
